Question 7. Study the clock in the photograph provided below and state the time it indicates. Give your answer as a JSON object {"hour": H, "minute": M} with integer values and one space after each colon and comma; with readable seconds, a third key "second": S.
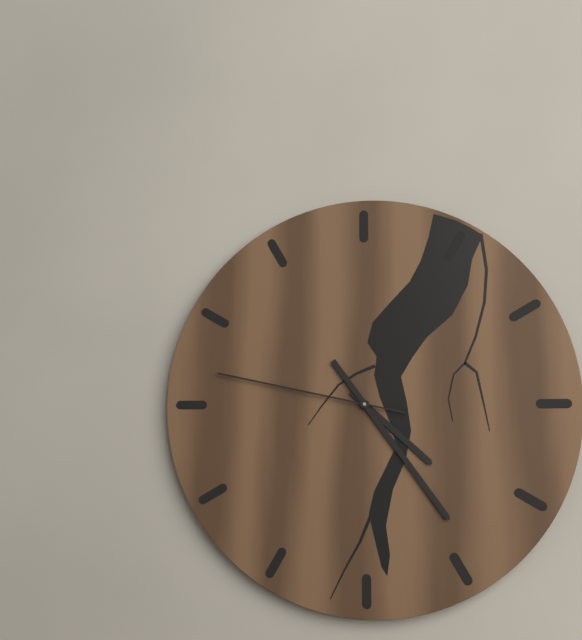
{"hour": 4, "minute": 24, "second": 47}
